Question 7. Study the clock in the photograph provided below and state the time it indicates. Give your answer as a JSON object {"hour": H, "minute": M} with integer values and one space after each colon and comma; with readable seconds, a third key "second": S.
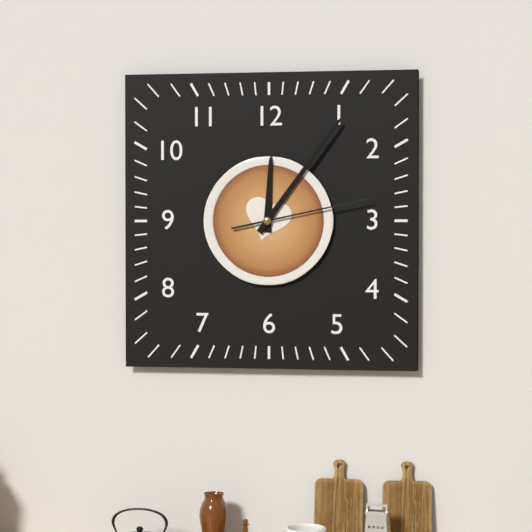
{"hour": 12, "minute": 6, "second": 13}
